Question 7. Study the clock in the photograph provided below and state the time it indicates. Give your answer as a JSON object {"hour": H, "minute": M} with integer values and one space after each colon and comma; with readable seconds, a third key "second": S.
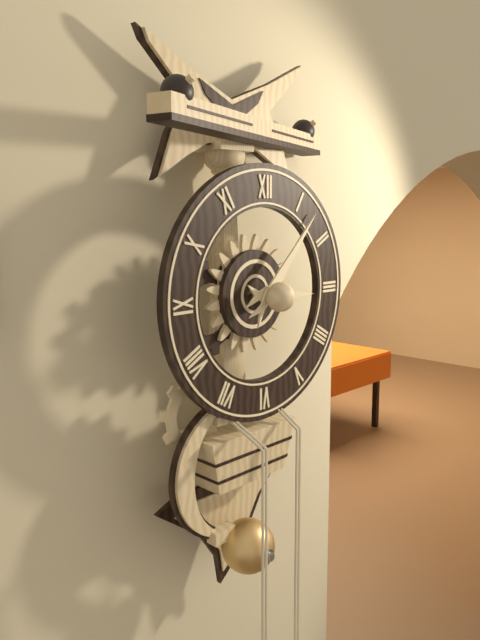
{"hour": 3, "minute": 7}
